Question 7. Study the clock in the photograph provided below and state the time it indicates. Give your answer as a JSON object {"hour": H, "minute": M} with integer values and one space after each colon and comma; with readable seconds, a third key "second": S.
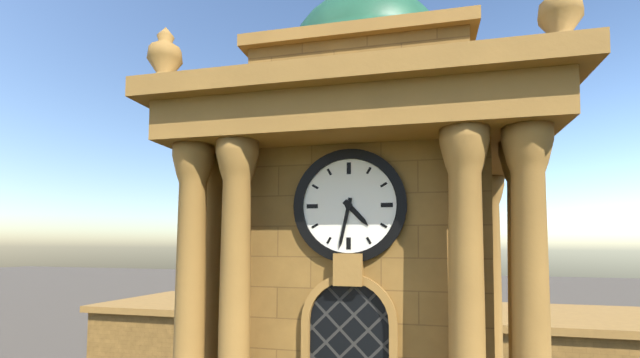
{"hour": 4, "minute": 32}
